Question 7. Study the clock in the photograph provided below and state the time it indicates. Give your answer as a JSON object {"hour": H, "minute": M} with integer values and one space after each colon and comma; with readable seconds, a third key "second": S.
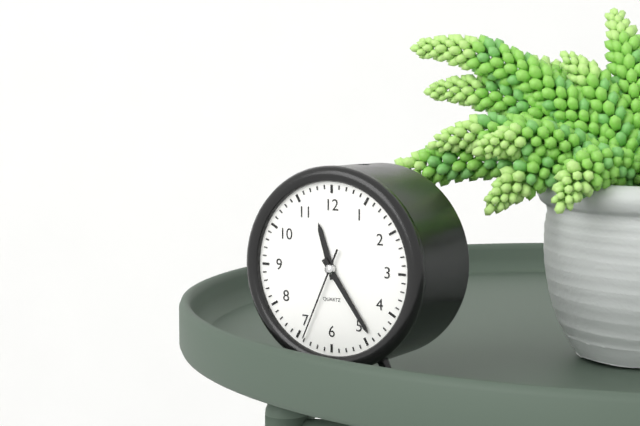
{"hour": 11, "minute": 24, "second": 34}
